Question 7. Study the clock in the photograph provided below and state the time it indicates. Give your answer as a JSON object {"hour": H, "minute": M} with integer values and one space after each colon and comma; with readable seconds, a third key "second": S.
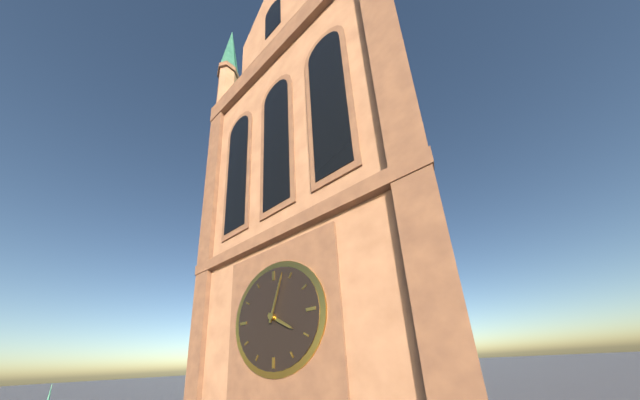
{"hour": 4, "minute": 3}
